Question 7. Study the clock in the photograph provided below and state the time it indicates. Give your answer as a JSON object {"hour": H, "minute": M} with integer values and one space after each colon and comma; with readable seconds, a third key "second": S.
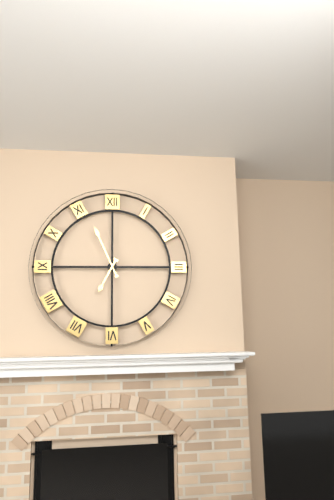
{"hour": 6, "minute": 56}
